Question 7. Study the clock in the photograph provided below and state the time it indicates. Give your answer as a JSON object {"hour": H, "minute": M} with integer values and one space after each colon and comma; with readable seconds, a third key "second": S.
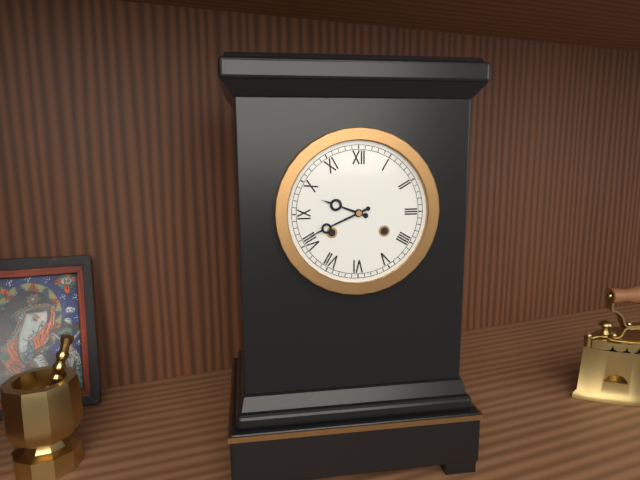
{"hour": 9, "minute": 41}
